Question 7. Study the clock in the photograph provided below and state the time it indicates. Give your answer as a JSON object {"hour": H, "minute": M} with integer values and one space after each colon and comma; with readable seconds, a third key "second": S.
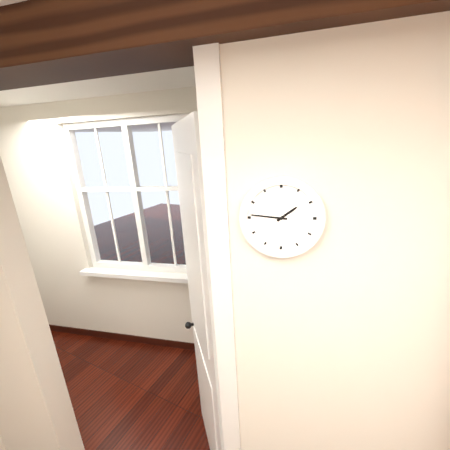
{"hour": 1, "minute": 46}
